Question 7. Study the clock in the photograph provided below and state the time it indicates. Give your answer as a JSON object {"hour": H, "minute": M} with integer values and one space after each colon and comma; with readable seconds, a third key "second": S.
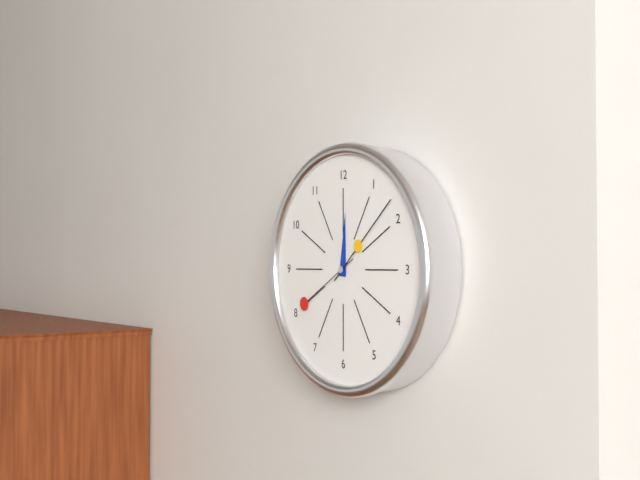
{"hour": 12, "minute": 8, "second": 40}
